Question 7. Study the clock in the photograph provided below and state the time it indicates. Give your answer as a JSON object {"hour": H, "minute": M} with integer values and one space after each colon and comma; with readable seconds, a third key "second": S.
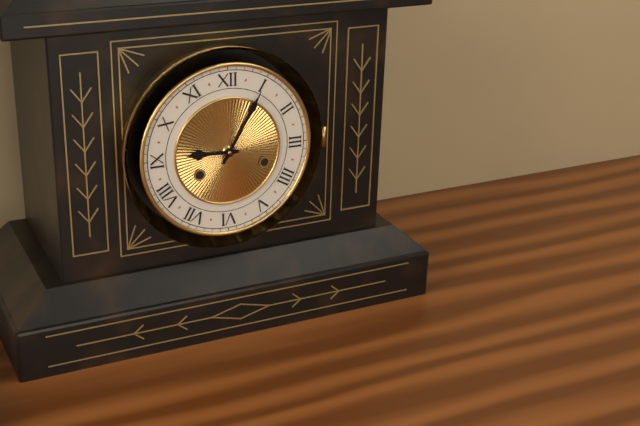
{"hour": 9, "minute": 5}
